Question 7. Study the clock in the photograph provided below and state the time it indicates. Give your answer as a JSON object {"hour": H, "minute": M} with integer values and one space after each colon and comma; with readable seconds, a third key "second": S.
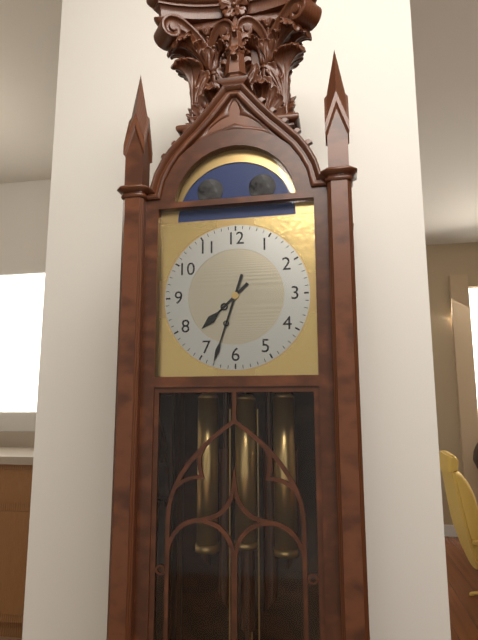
{"hour": 7, "minute": 33}
